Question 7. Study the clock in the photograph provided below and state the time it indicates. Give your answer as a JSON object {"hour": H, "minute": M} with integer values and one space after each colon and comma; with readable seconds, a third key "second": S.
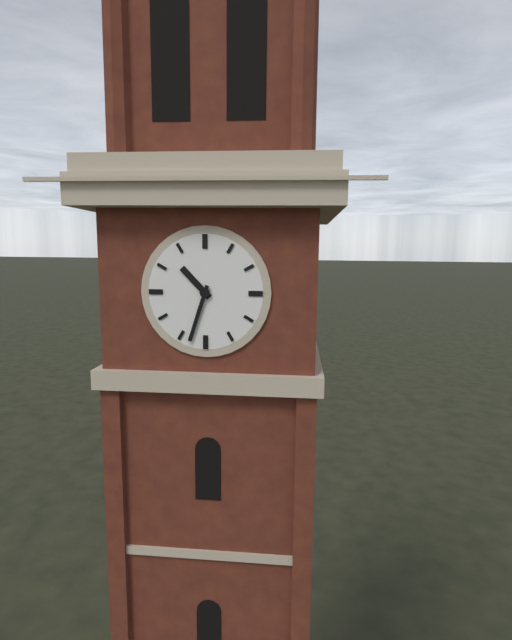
{"hour": 10, "minute": 33}
